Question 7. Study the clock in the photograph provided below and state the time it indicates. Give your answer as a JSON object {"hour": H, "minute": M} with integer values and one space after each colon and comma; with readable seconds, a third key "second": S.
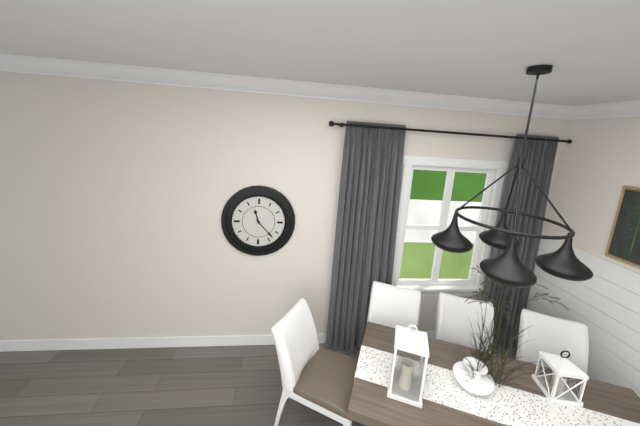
{"hour": 11, "minute": 23}
